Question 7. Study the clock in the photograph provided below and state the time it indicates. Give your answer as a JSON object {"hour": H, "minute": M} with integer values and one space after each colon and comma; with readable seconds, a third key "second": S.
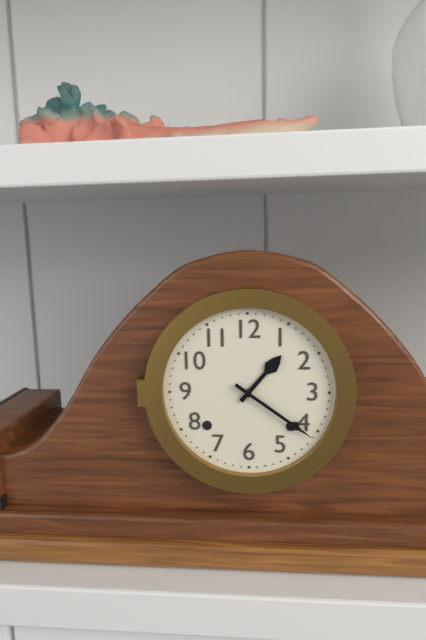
{"hour": 1, "minute": 21}
